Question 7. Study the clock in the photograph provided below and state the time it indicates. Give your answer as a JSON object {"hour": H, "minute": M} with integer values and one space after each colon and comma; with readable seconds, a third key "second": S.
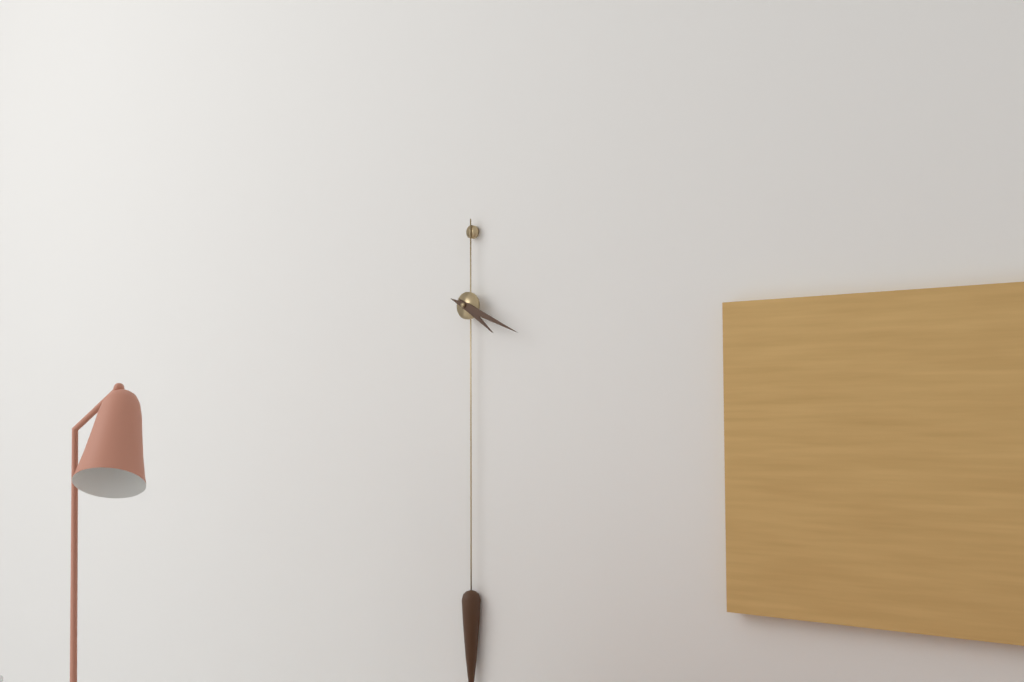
{"hour": 4, "minute": 19}
